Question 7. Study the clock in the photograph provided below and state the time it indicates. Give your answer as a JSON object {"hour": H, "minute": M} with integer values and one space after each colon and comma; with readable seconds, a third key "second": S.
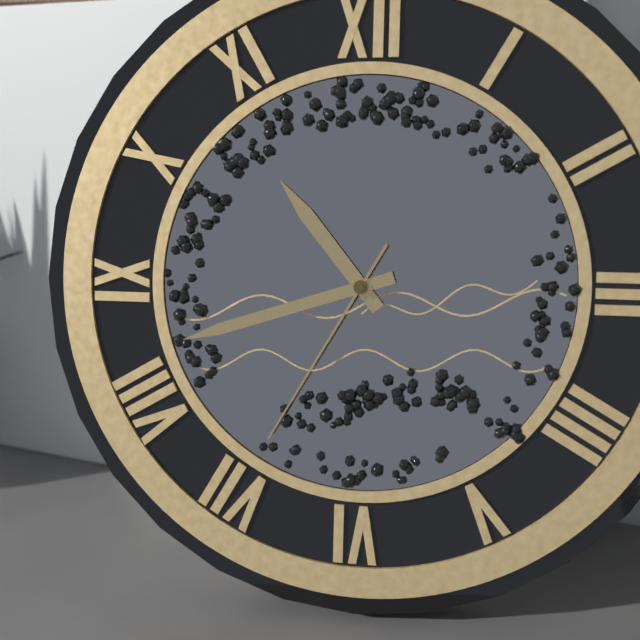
{"hour": 10, "minute": 42, "second": 35}
